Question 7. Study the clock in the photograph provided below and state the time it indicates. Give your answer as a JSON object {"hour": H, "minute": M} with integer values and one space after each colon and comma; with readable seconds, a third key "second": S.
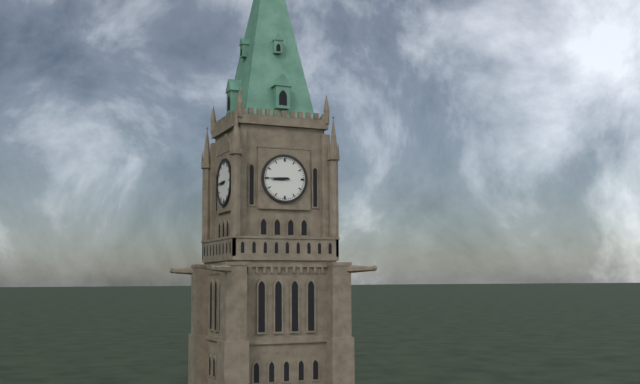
{"hour": 8, "minute": 45}
